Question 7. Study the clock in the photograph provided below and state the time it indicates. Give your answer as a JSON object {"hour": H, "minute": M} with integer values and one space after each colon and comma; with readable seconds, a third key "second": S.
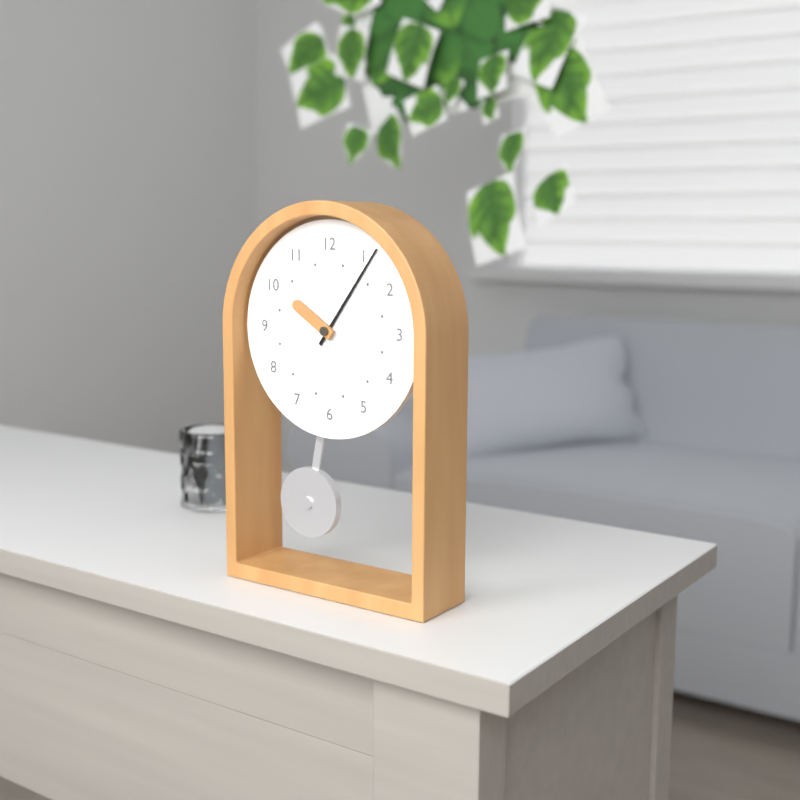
{"hour": 10, "minute": 6}
